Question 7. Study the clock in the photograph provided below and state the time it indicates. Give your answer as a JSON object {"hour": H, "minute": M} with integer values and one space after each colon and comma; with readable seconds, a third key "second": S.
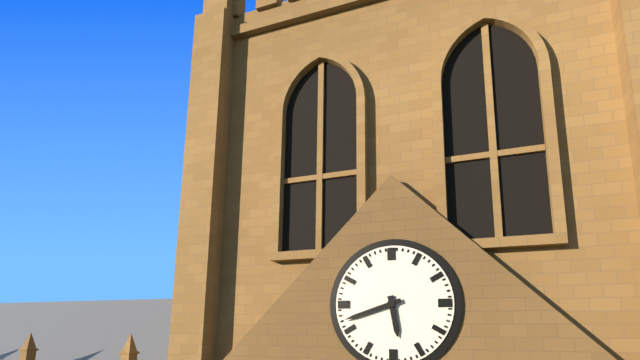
{"hour": 5, "minute": 42}
